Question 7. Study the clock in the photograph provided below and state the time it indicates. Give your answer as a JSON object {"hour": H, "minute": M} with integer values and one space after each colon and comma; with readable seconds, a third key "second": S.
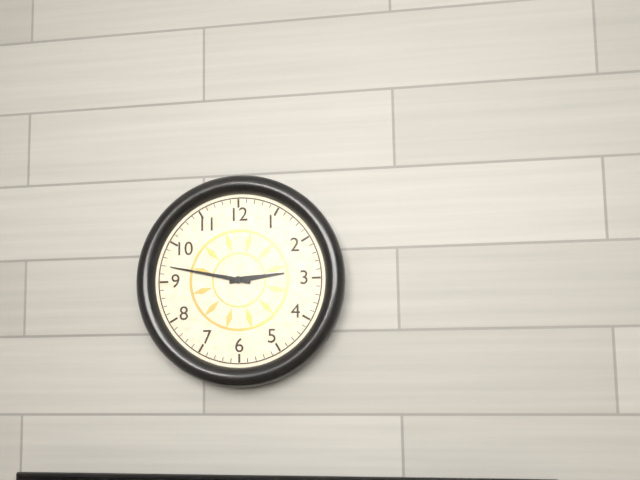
{"hour": 2, "minute": 47}
